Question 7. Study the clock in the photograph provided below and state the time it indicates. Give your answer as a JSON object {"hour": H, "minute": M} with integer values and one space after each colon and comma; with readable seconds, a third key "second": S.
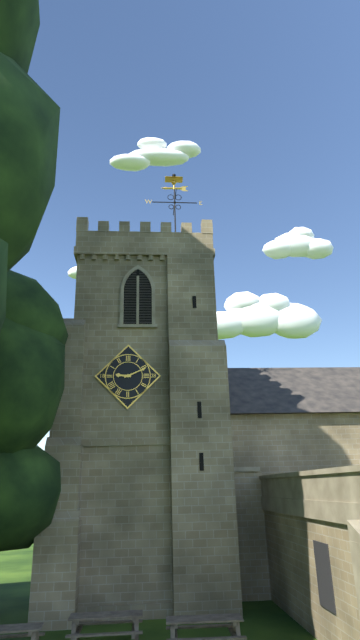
{"hour": 9, "minute": 11}
